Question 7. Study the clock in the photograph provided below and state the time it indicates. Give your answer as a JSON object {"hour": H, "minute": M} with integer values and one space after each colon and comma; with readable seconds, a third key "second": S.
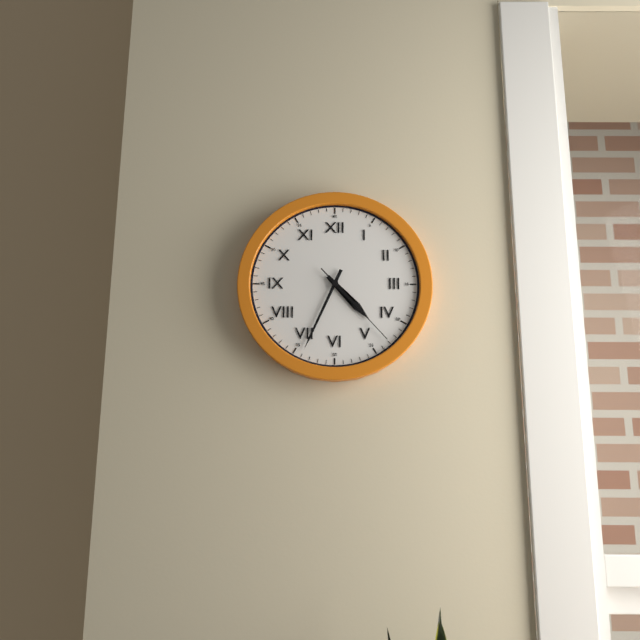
{"hour": 4, "minute": 34, "second": 23}
